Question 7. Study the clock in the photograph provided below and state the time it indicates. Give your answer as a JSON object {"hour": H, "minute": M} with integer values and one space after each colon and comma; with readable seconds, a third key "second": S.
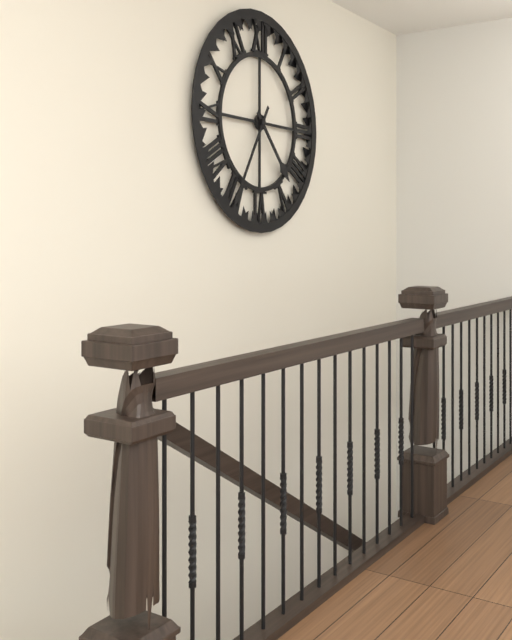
{"hour": 4, "minute": 35}
